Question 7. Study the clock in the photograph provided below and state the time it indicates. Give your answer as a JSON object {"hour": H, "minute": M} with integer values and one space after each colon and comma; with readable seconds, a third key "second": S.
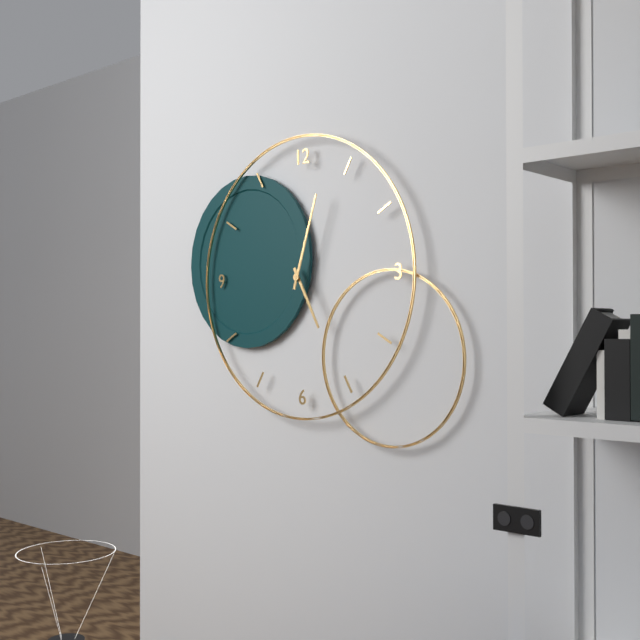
{"hour": 5, "minute": 3}
